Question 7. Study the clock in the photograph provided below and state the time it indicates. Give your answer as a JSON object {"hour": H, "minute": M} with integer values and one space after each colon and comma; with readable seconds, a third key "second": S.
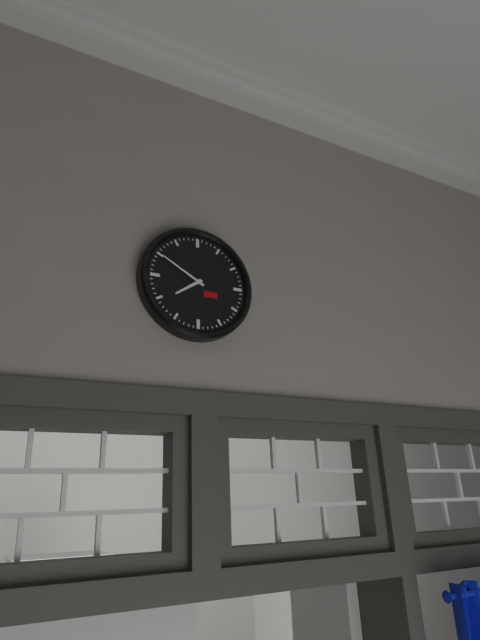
{"hour": 7, "minute": 50}
